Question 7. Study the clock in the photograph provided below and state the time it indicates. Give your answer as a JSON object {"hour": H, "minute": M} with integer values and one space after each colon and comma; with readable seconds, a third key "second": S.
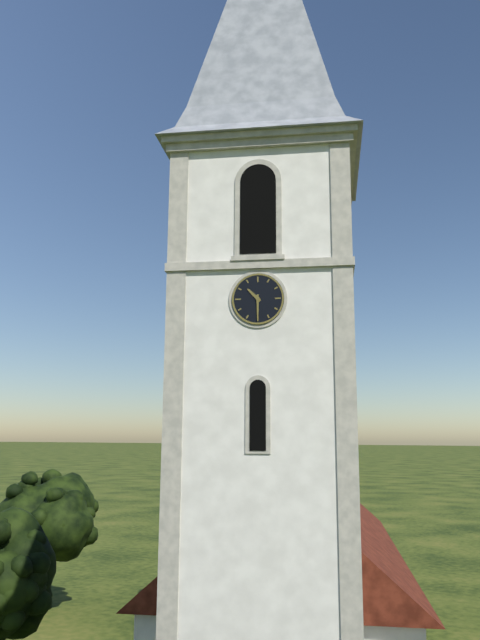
{"hour": 10, "minute": 30}
